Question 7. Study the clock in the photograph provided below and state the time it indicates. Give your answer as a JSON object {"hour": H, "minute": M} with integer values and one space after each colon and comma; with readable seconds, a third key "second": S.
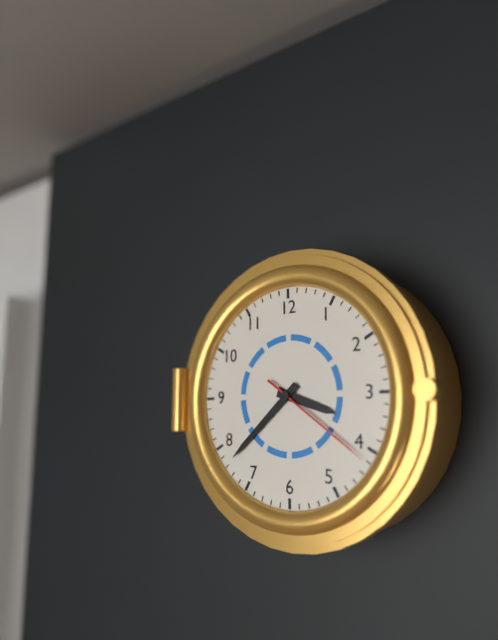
{"hour": 3, "minute": 38, "second": 21}
